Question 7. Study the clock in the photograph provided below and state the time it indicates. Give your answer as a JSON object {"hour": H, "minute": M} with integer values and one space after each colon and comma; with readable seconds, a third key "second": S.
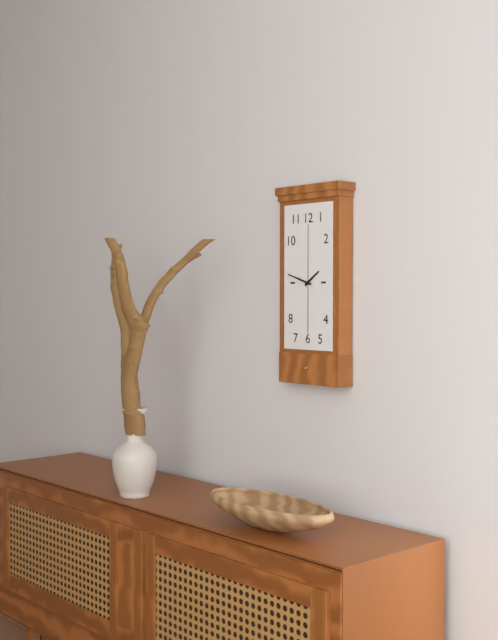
{"hour": 1, "minute": 48}
